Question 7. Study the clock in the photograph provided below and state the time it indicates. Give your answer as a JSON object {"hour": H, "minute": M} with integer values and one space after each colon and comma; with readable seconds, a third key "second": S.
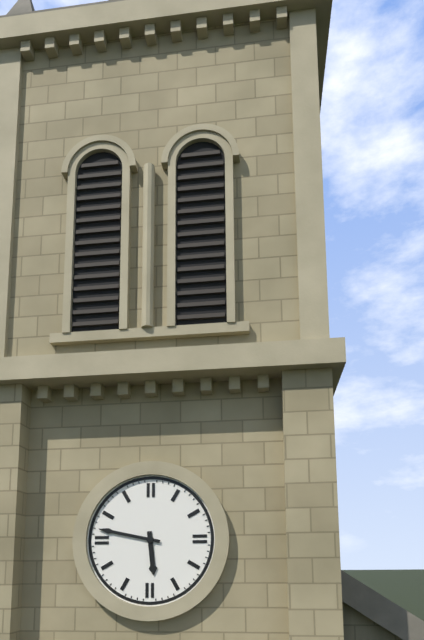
{"hour": 5, "minute": 47}
